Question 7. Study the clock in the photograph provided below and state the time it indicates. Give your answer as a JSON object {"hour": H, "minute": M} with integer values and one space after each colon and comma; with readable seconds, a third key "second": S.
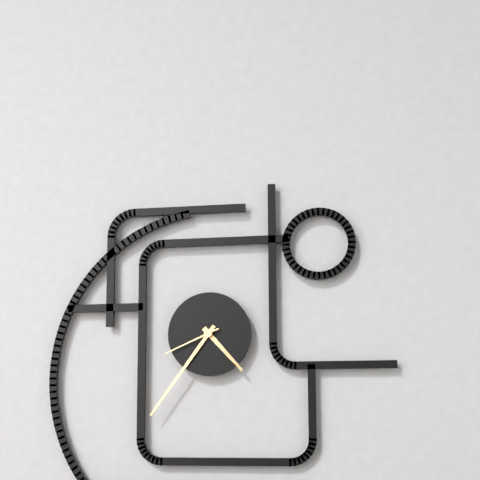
{"hour": 4, "minute": 36, "second": 41}
